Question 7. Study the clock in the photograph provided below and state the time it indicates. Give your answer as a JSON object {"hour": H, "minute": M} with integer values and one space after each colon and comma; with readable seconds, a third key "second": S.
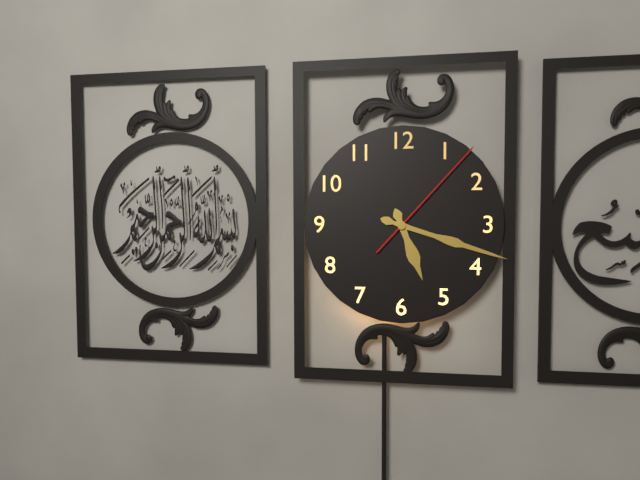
{"hour": 5, "minute": 18, "second": 7}
